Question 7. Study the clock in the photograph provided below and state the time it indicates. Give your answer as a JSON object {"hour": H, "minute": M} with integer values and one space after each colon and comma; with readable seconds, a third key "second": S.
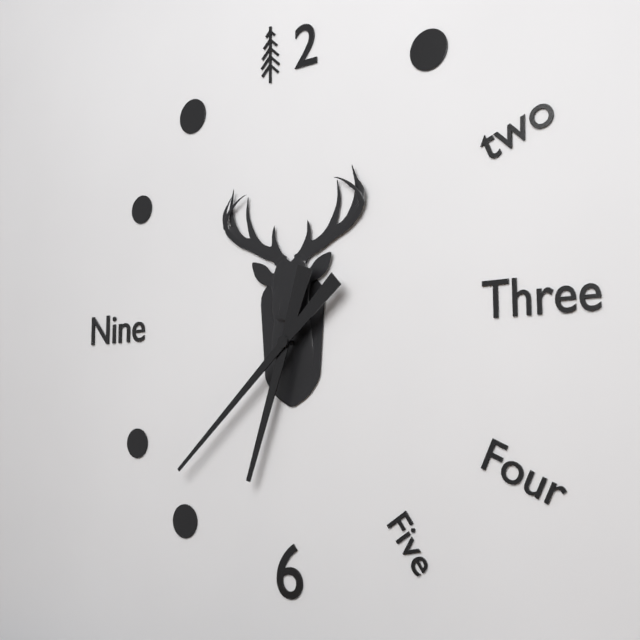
{"hour": 6, "minute": 38}
